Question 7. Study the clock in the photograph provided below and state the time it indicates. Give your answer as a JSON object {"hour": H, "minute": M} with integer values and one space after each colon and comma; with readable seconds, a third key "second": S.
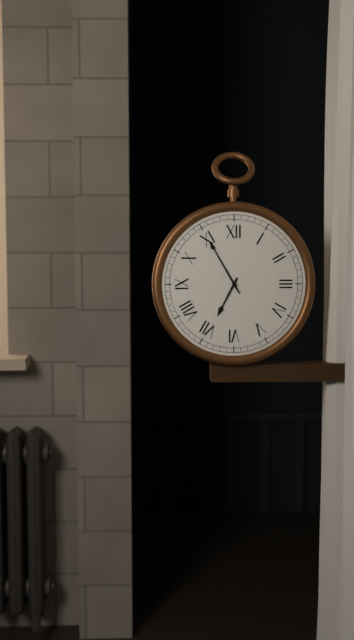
{"hour": 6, "minute": 55}
